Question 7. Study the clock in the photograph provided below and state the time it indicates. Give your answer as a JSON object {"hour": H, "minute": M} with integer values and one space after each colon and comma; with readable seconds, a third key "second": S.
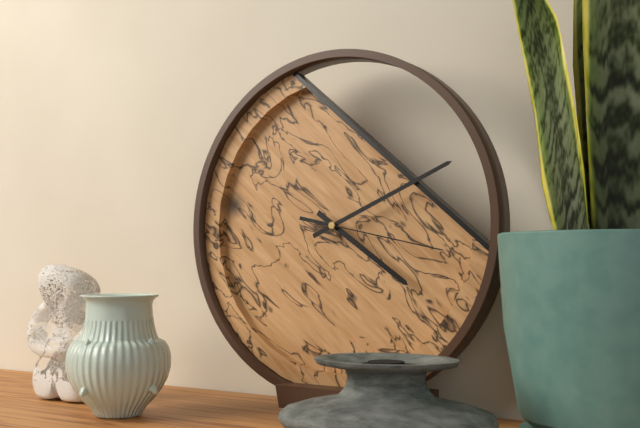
{"hour": 4, "minute": 11, "second": 17}
